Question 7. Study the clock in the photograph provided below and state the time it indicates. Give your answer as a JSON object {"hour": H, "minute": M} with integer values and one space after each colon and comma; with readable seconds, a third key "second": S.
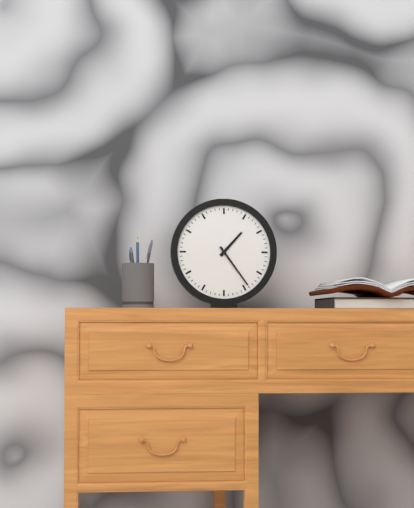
{"hour": 1, "minute": 24}
